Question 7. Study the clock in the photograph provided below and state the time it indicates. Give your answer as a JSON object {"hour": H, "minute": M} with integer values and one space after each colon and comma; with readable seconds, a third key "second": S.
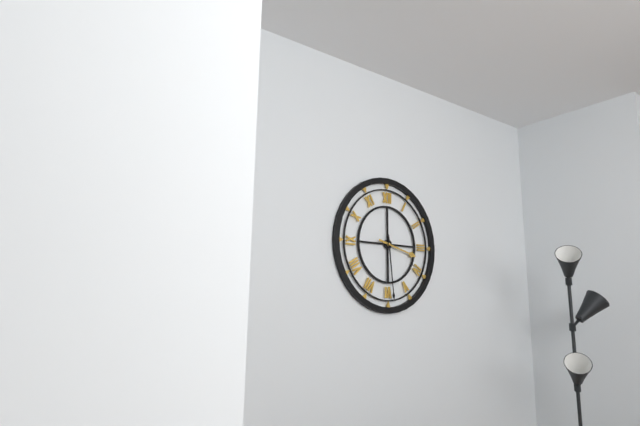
{"hour": 3, "minute": 29}
